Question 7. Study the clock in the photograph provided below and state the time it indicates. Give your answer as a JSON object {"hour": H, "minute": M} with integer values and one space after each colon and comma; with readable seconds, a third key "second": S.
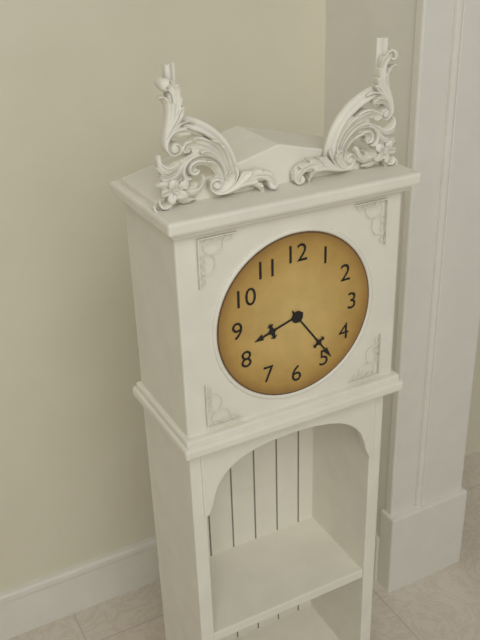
{"hour": 8, "minute": 24}
